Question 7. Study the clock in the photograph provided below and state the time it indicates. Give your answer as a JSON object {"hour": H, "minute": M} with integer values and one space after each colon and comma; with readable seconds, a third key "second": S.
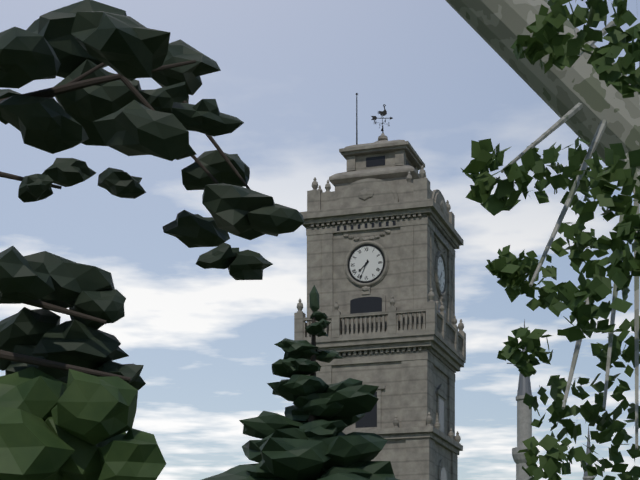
{"hour": 7, "minute": 34}
